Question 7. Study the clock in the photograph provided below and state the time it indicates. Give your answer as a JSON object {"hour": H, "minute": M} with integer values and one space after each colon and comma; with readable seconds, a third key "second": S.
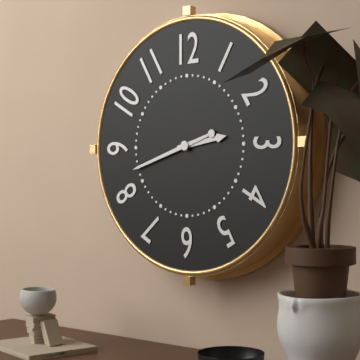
{"hour": 2, "minute": 42}
